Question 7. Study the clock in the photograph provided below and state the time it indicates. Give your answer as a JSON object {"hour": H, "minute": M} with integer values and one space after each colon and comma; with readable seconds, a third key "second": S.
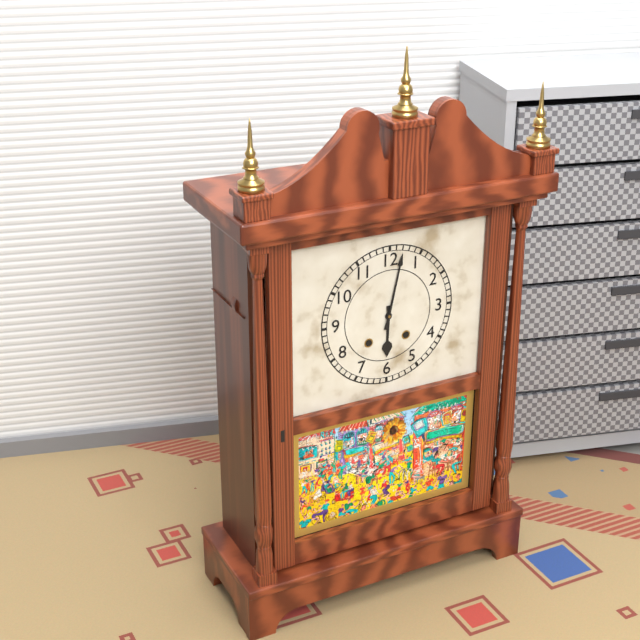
{"hour": 6, "minute": 2}
